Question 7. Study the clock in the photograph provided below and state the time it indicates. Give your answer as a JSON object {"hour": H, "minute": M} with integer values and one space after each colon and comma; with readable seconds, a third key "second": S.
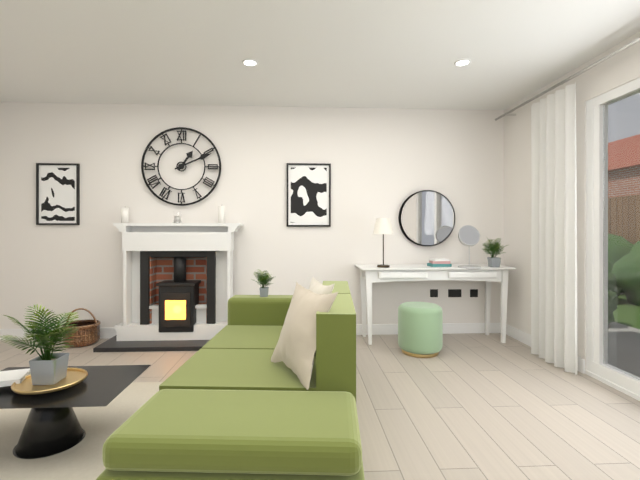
{"hour": 1, "minute": 11}
